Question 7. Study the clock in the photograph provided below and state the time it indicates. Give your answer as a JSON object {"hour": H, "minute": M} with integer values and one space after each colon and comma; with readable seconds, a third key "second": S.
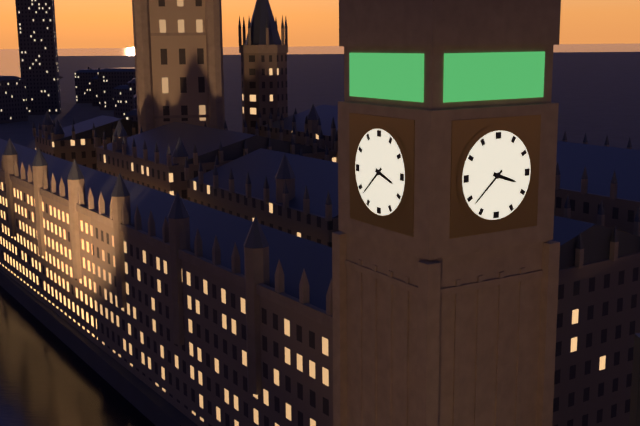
{"hour": 3, "minute": 38}
